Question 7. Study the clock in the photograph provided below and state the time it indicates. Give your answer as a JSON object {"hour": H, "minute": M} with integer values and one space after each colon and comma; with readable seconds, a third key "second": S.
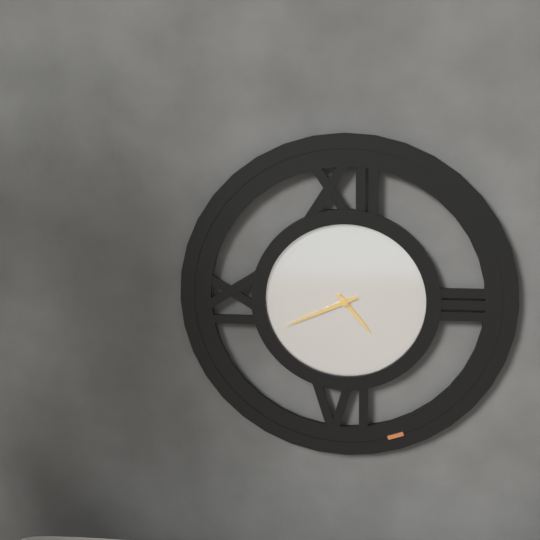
{"hour": 4, "minute": 41}
